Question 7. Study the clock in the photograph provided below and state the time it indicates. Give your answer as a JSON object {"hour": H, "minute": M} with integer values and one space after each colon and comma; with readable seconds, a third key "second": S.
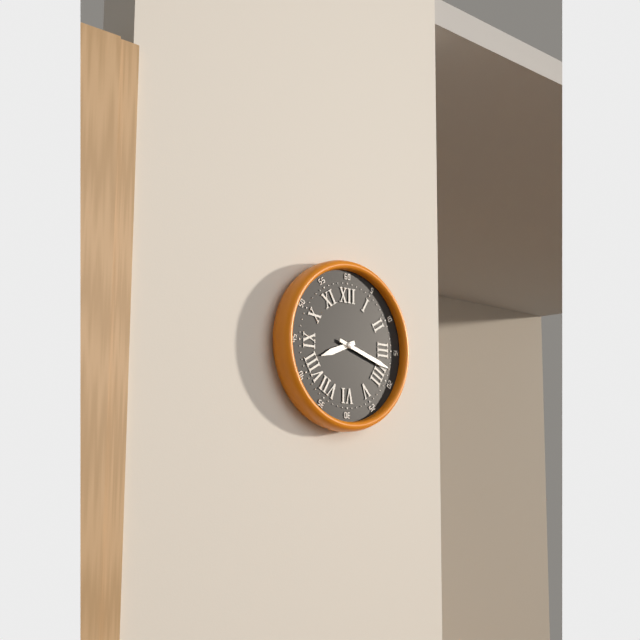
{"hour": 8, "minute": 18}
